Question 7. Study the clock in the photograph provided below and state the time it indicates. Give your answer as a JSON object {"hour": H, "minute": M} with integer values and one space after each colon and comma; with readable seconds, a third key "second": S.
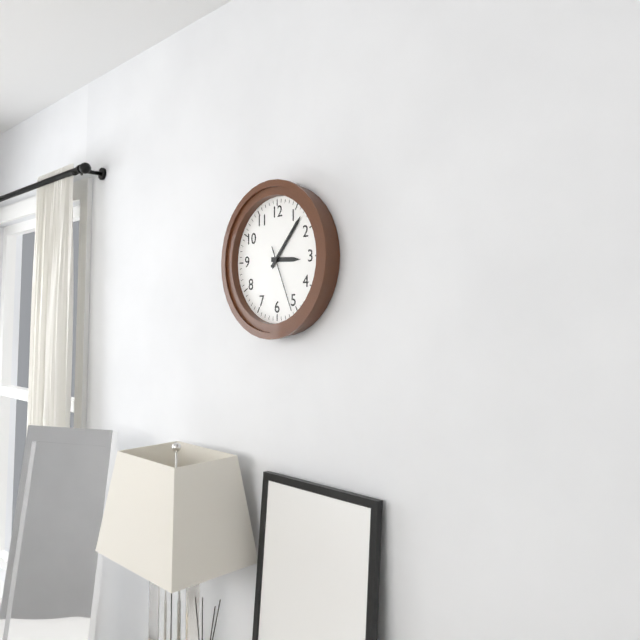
{"hour": 3, "minute": 7, "second": 26}
